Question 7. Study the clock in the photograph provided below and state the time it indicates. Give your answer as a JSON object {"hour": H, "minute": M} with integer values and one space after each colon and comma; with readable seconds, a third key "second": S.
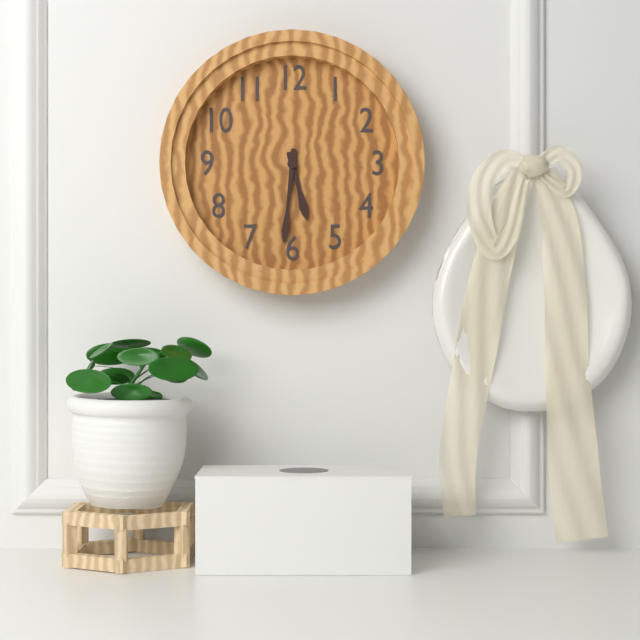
{"hour": 5, "minute": 31}
